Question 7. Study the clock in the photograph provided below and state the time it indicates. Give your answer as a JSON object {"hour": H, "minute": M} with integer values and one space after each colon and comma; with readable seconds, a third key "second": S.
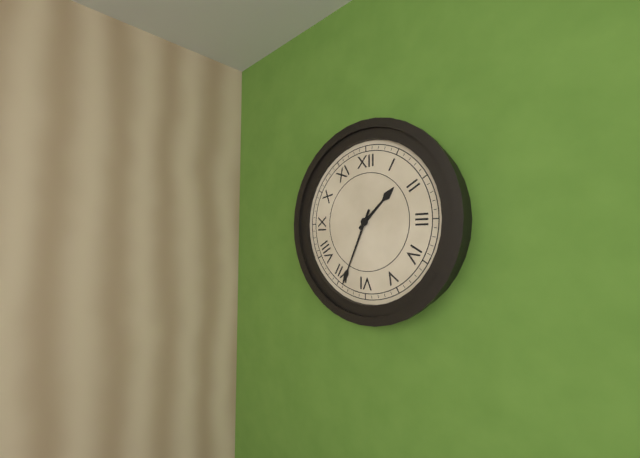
{"hour": 1, "minute": 34}
